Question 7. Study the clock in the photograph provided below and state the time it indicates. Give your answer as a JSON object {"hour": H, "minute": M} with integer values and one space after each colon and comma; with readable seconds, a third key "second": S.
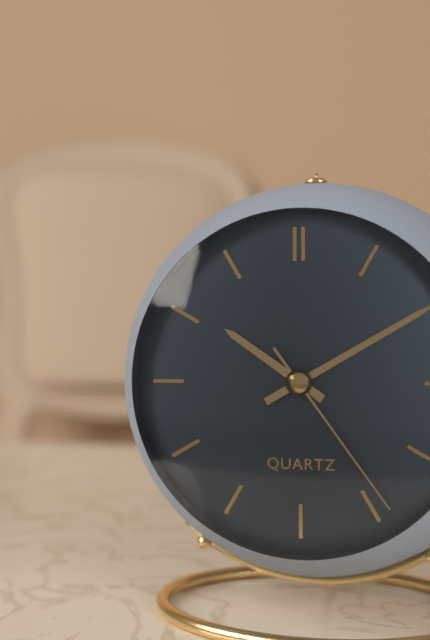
{"hour": 10, "minute": 10, "second": 24}
